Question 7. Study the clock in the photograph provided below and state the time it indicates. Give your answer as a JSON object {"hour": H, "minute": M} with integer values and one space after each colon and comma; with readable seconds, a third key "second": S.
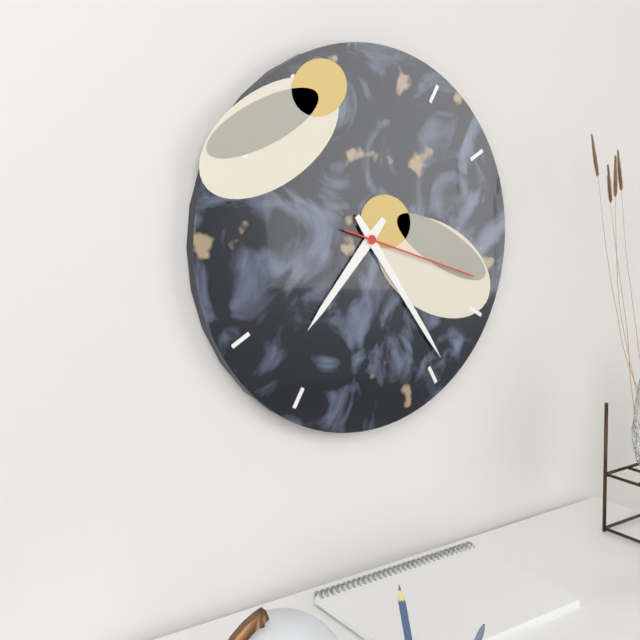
{"hour": 7, "minute": 24, "second": 18}
